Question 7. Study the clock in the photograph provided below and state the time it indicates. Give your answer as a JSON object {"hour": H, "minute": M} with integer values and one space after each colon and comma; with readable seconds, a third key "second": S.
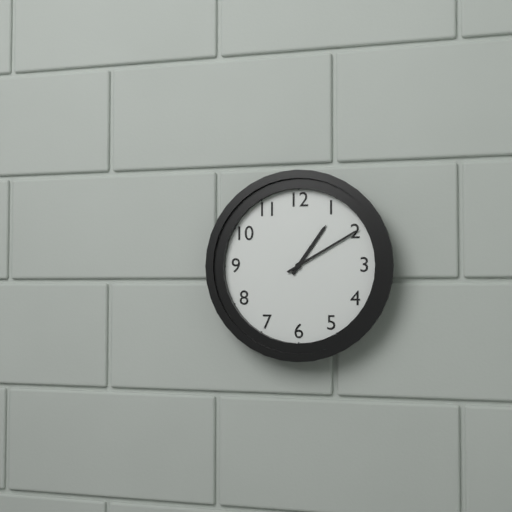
{"hour": 1, "minute": 10}
